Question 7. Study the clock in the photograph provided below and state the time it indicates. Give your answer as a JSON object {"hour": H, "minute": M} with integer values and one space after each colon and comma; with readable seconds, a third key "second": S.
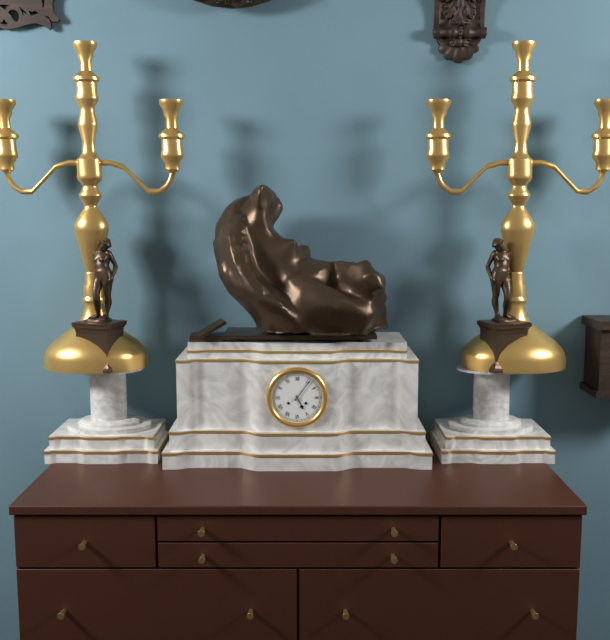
{"hour": 5, "minute": 6}
